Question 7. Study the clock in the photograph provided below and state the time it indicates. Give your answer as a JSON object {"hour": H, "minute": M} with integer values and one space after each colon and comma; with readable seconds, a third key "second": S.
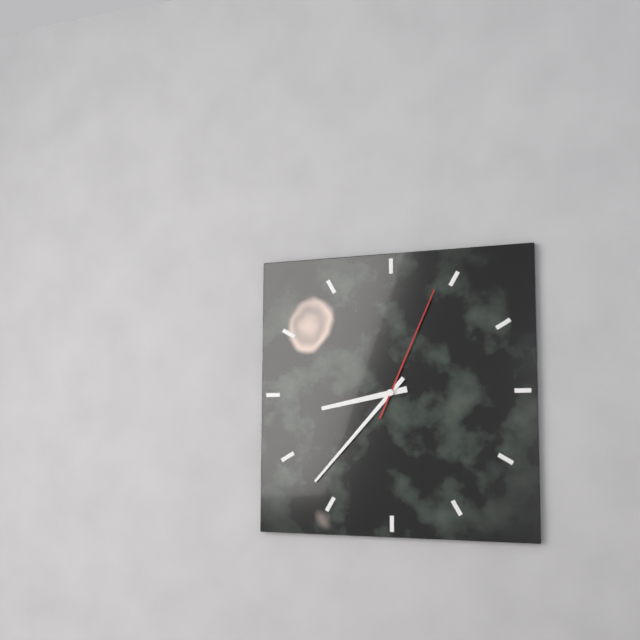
{"hour": 8, "minute": 37, "second": 4}
